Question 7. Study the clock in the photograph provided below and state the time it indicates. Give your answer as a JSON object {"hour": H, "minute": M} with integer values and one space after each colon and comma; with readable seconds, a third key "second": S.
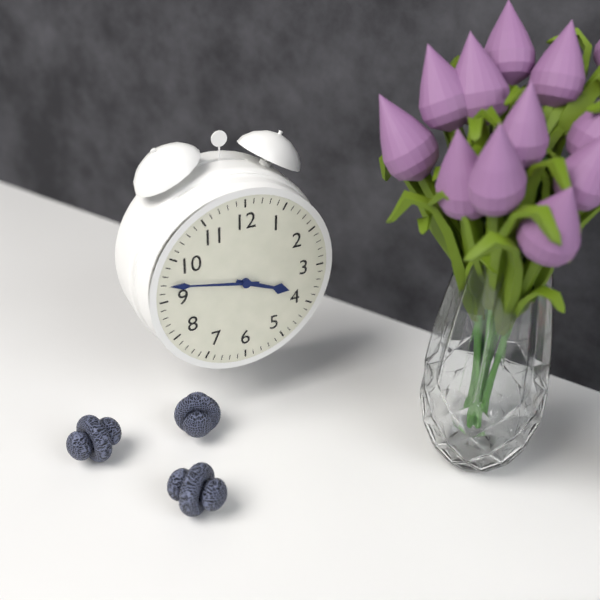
{"hour": 3, "minute": 47}
